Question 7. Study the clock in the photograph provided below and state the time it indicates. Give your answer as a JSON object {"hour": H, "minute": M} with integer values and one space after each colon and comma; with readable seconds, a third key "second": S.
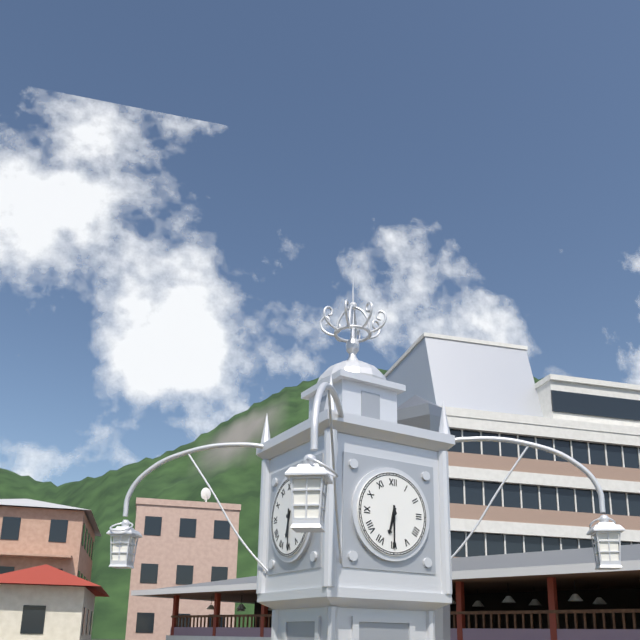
{"hour": 6, "minute": 30}
